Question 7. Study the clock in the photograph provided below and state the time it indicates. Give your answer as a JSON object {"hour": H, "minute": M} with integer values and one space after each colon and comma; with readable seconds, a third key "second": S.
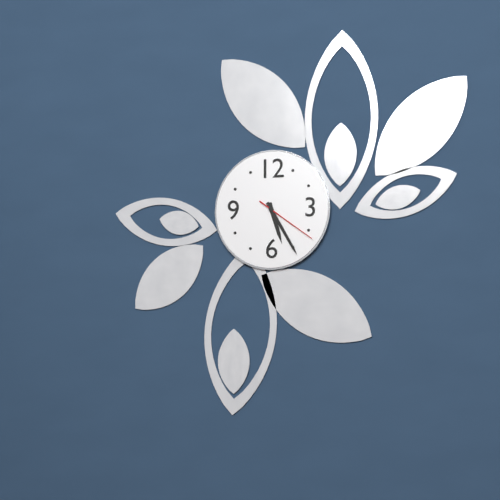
{"hour": 5, "minute": 25, "second": 21}
